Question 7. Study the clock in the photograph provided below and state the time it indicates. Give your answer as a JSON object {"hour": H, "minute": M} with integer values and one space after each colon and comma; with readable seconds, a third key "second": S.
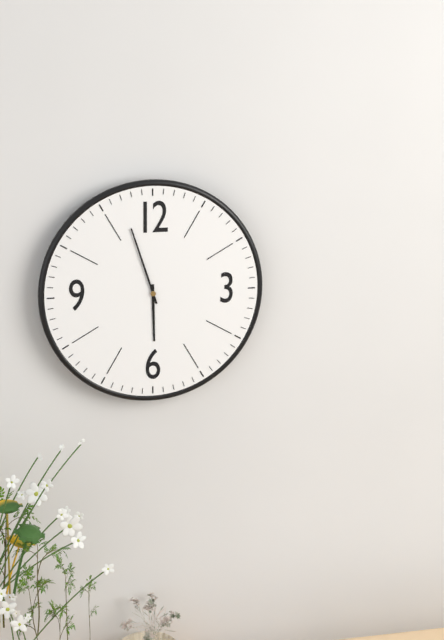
{"hour": 5, "minute": 57}
